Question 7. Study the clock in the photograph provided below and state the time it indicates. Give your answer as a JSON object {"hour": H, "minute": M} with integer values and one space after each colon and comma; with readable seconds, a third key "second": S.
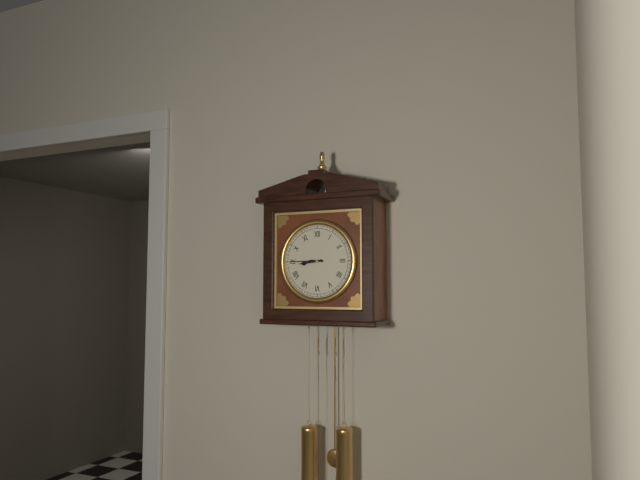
{"hour": 8, "minute": 45}
